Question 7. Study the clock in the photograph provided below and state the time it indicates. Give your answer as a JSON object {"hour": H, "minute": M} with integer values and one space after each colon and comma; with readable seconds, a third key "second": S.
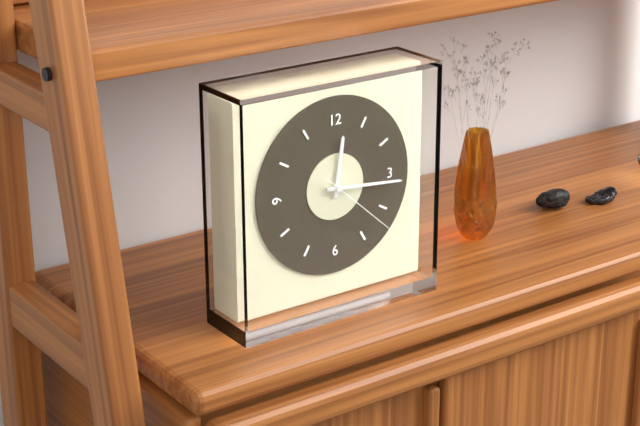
{"hour": 12, "minute": 16, "second": 22}
